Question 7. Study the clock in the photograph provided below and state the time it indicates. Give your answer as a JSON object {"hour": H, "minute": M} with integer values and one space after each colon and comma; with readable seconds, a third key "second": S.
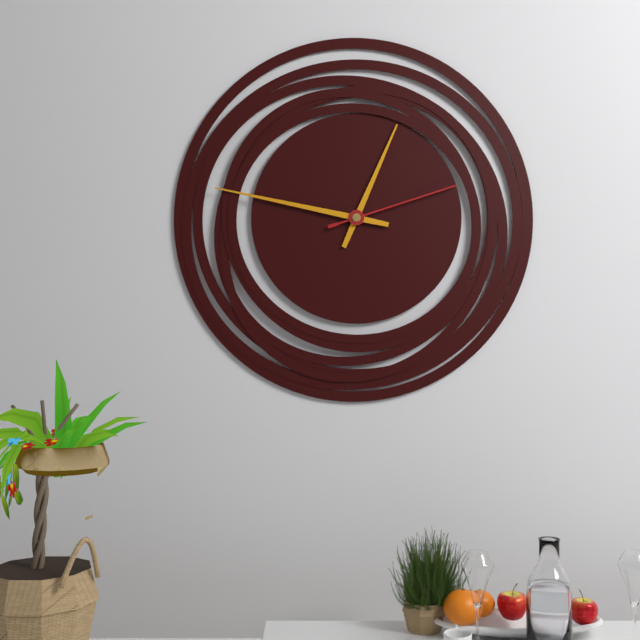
{"hour": 12, "minute": 47, "second": 12}
